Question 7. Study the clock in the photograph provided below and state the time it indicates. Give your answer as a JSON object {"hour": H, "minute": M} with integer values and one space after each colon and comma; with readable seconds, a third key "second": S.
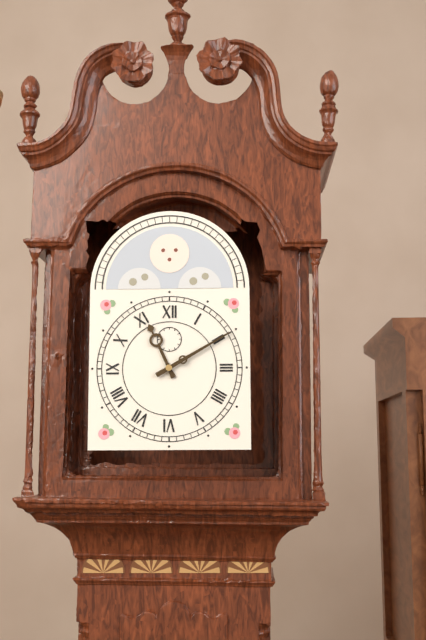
{"hour": 11, "minute": 10}
